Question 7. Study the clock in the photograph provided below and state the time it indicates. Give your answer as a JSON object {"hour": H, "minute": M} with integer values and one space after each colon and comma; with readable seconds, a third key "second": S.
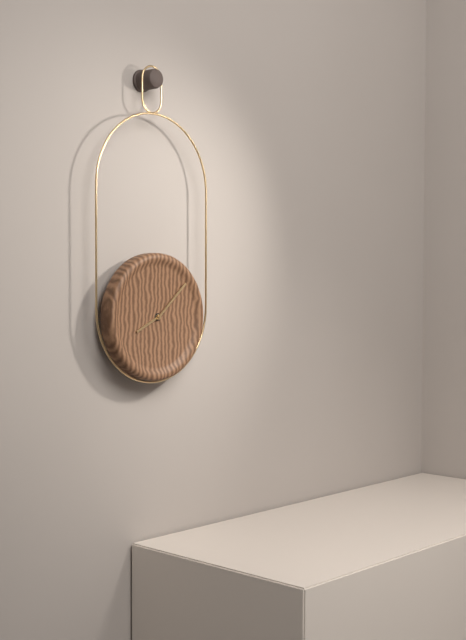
{"hour": 8, "minute": 8}
